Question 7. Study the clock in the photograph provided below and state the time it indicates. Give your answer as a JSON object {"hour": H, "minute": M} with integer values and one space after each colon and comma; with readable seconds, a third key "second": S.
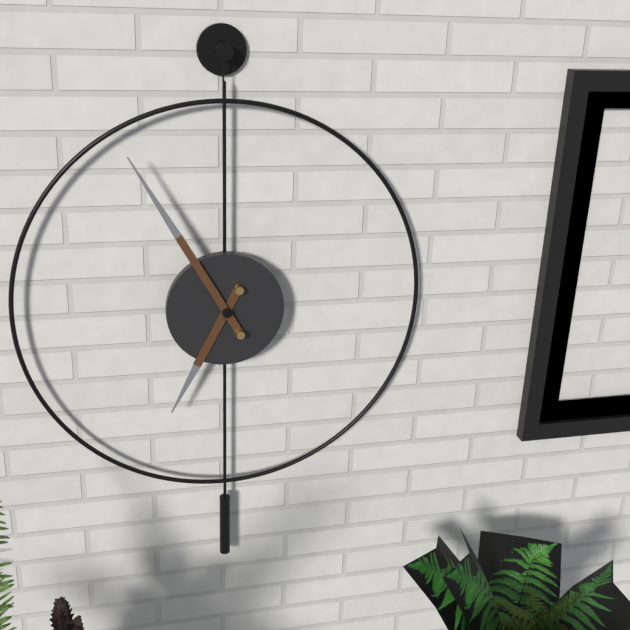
{"hour": 6, "minute": 55}
